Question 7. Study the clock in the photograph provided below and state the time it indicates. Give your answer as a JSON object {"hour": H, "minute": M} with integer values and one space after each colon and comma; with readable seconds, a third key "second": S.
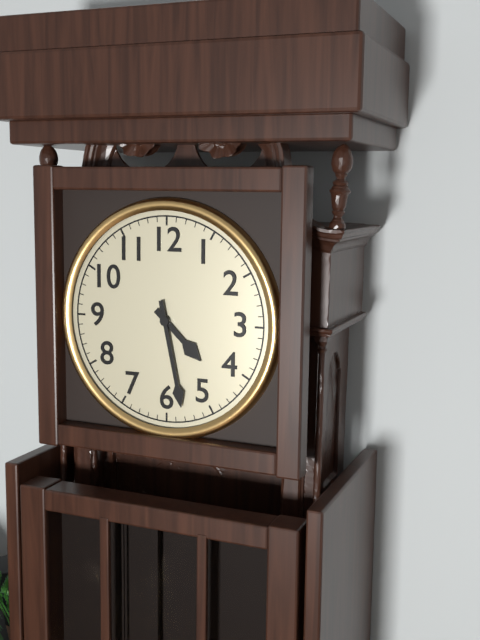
{"hour": 4, "minute": 28}
